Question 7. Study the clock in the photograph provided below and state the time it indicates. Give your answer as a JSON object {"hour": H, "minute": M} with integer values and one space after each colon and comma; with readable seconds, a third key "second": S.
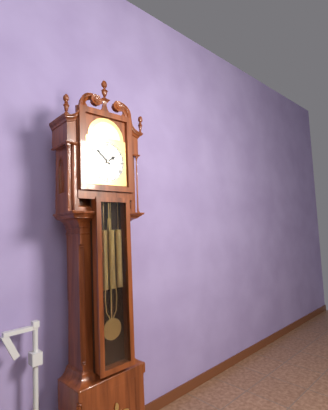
{"hour": 1, "minute": 52}
